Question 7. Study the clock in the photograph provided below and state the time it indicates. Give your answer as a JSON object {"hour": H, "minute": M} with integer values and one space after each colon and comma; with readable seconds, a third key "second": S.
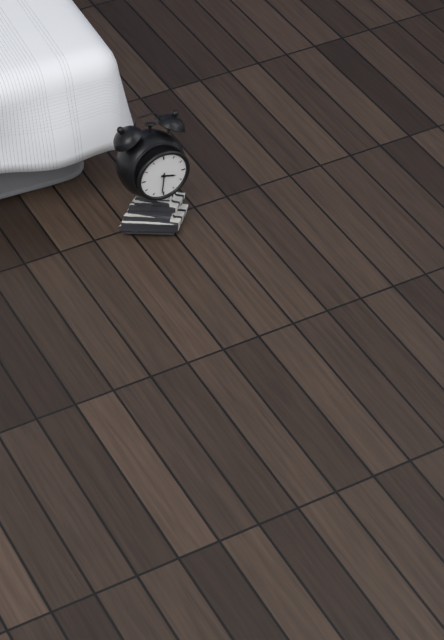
{"hour": 3, "minute": 31}
